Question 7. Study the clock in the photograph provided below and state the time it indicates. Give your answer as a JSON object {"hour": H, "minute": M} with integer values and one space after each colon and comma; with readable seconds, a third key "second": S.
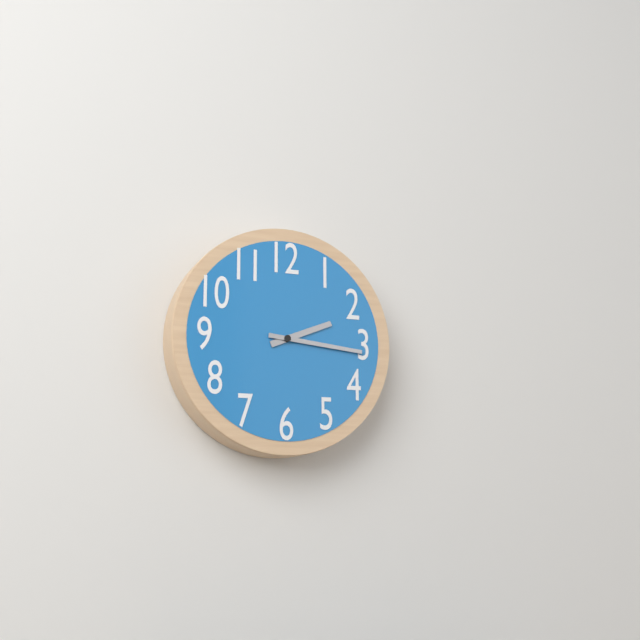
{"hour": 2, "minute": 16}
